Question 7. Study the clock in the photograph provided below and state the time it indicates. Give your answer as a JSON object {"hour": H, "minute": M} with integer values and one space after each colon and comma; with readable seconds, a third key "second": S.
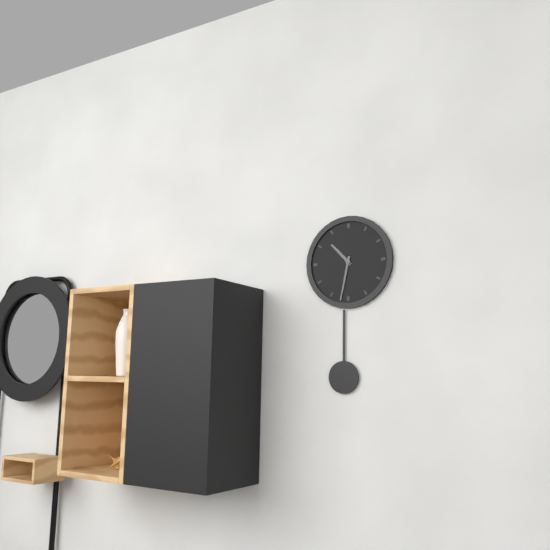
{"hour": 10, "minute": 32}
